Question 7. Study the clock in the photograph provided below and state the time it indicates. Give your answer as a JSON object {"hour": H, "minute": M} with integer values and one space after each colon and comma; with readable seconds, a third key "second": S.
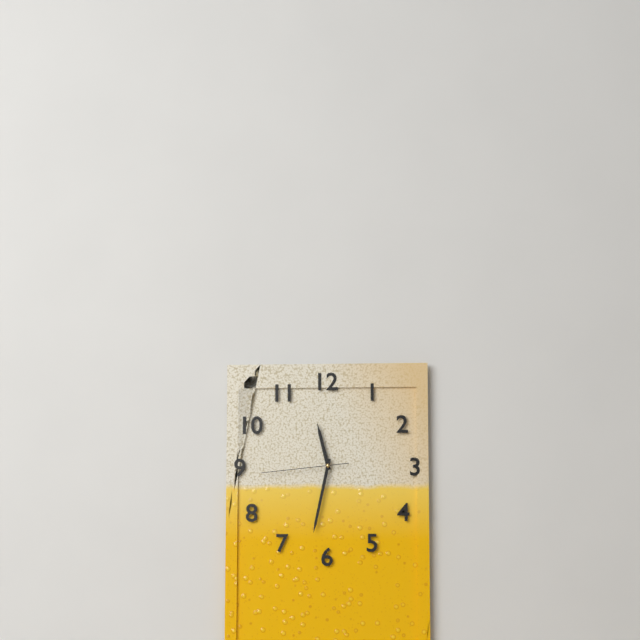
{"hour": 11, "minute": 32, "second": 44}
